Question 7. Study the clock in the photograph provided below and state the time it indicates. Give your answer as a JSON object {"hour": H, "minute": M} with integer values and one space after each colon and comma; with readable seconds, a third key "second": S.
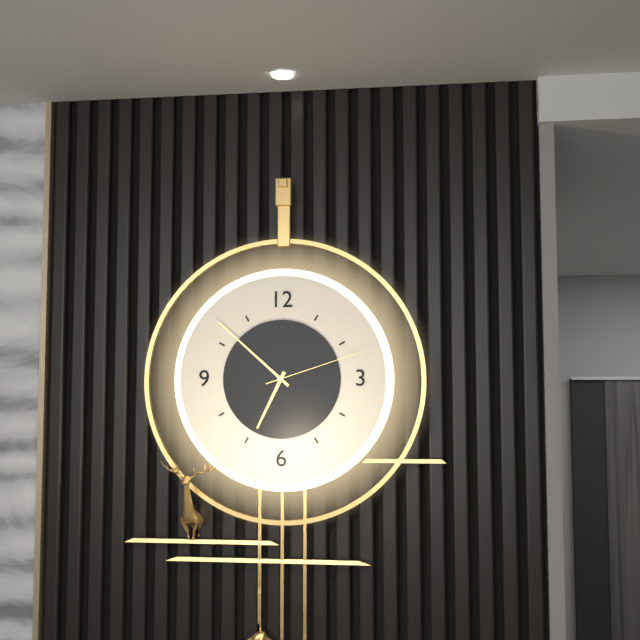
{"hour": 6, "minute": 52, "second": 12}
